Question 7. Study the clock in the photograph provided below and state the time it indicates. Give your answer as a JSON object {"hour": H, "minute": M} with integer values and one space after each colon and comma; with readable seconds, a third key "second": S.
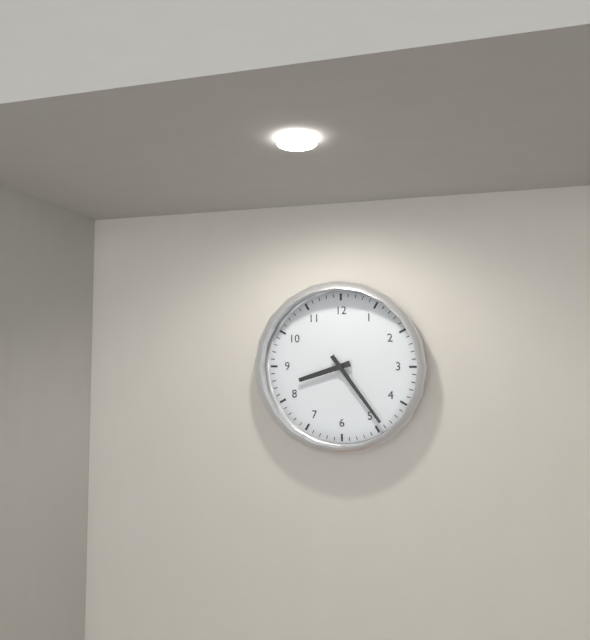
{"hour": 8, "minute": 24}
